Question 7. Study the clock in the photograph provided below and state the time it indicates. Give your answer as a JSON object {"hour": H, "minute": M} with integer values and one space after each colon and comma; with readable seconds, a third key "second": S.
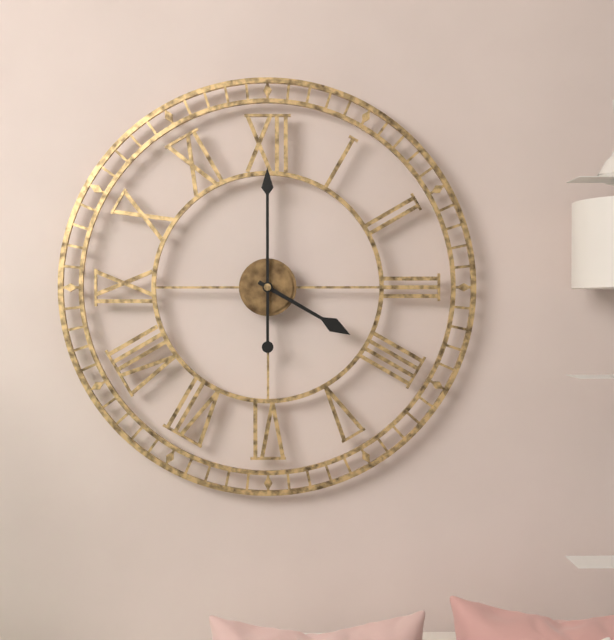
{"hour": 4, "minute": 0}
